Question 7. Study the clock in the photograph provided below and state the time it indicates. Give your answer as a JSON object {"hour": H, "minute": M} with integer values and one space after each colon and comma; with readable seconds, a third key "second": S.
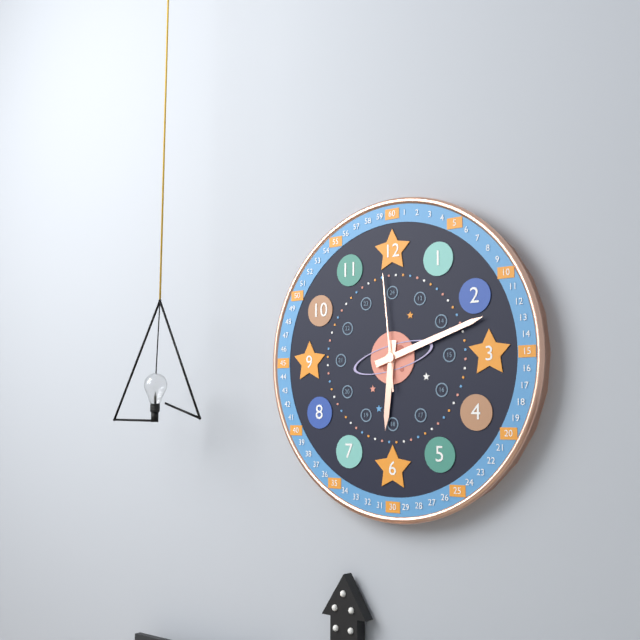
{"hour": 6, "minute": 12, "second": 59}
